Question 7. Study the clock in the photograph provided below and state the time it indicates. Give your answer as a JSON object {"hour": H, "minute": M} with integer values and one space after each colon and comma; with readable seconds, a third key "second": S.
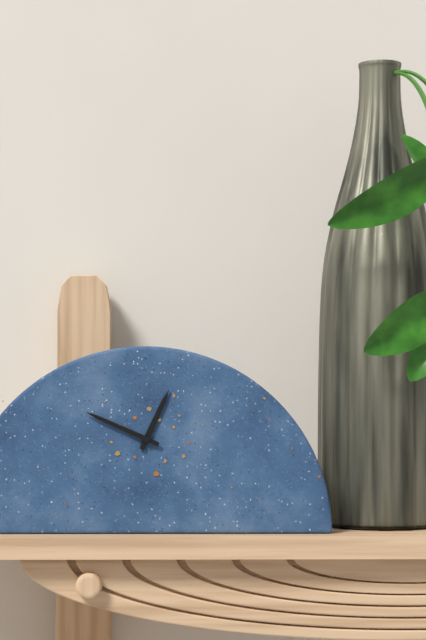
{"hour": 12, "minute": 49}
